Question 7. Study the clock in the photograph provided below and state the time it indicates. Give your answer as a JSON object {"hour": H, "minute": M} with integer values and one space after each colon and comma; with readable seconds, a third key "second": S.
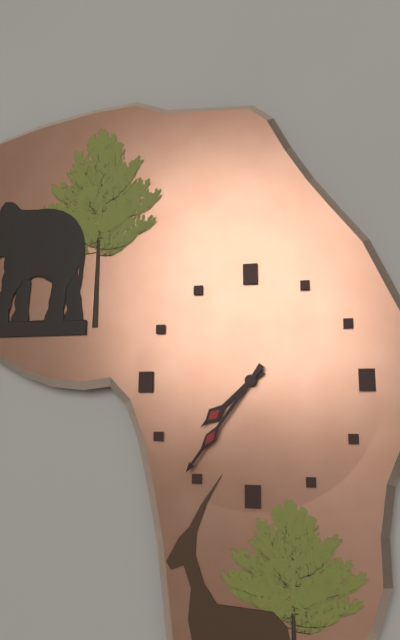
{"hour": 7, "minute": 36}
